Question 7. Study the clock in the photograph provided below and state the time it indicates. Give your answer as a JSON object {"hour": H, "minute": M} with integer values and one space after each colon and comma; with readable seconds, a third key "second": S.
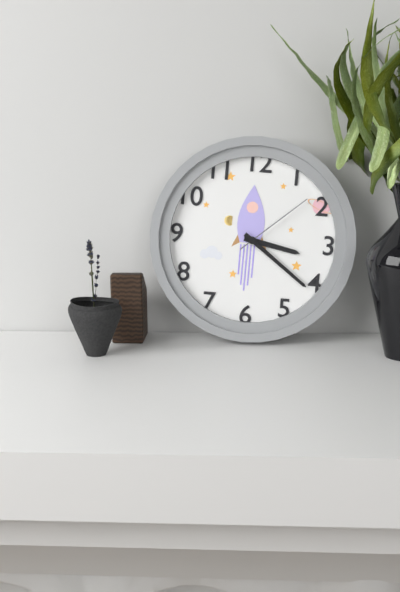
{"hour": 3, "minute": 21, "second": 8}
